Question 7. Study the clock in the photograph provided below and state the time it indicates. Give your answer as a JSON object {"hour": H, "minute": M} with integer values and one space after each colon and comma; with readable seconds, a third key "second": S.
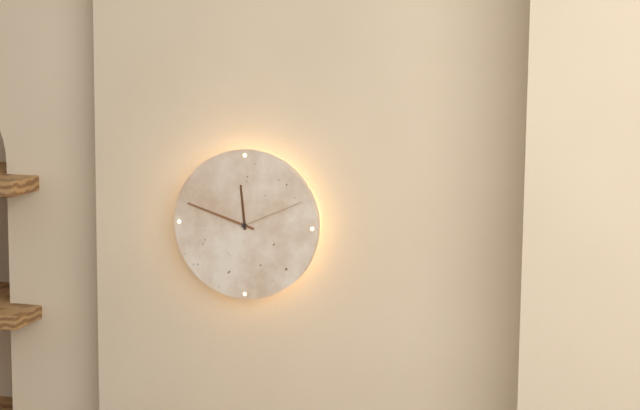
{"hour": 11, "minute": 48, "second": 11}
